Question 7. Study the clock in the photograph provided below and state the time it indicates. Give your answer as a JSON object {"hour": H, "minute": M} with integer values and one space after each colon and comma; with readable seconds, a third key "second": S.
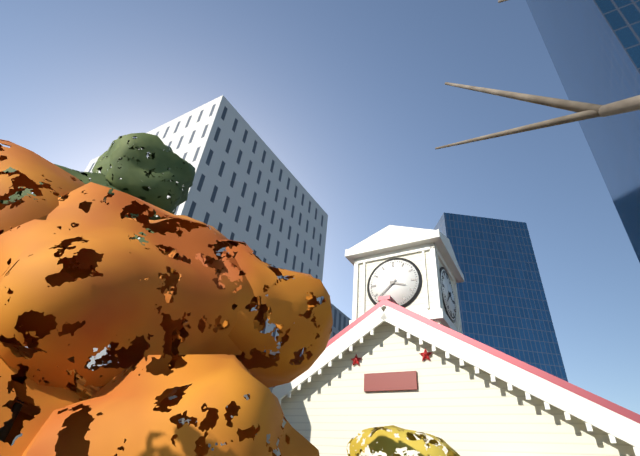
{"hour": 3, "minute": 38}
